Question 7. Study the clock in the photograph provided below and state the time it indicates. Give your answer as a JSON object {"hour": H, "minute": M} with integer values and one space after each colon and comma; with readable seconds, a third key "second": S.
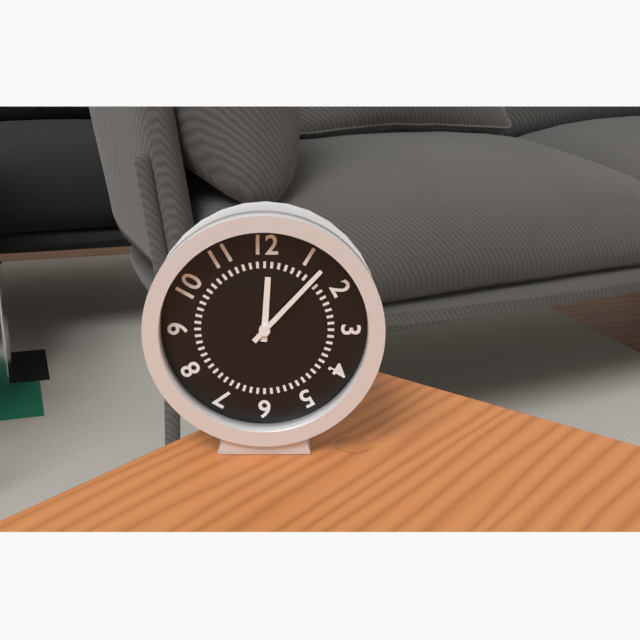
{"hour": 12, "minute": 7}
